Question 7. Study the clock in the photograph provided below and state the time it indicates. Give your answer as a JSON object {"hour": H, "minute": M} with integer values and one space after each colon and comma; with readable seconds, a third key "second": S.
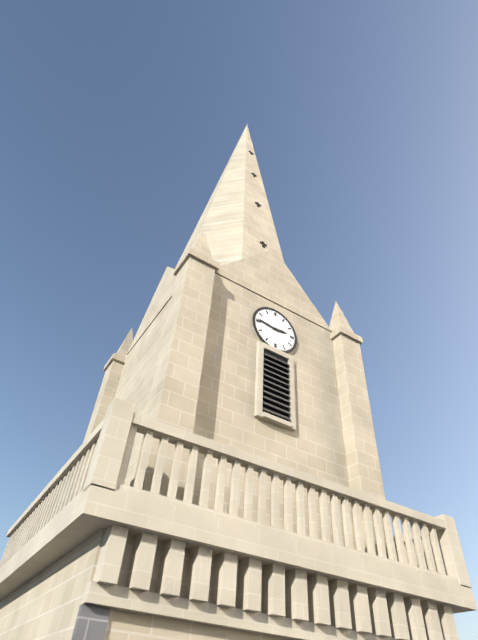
{"hour": 2, "minute": 46}
